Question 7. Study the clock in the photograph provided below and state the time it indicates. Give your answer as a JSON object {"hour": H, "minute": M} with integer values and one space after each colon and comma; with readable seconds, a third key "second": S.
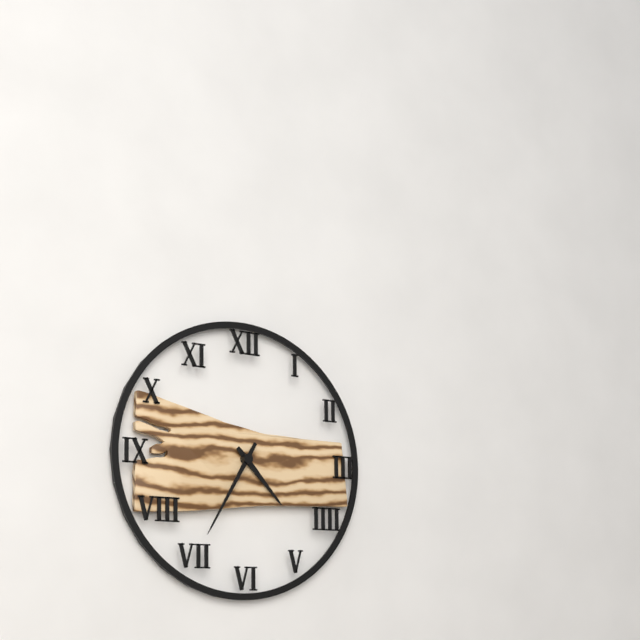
{"hour": 4, "minute": 35}
